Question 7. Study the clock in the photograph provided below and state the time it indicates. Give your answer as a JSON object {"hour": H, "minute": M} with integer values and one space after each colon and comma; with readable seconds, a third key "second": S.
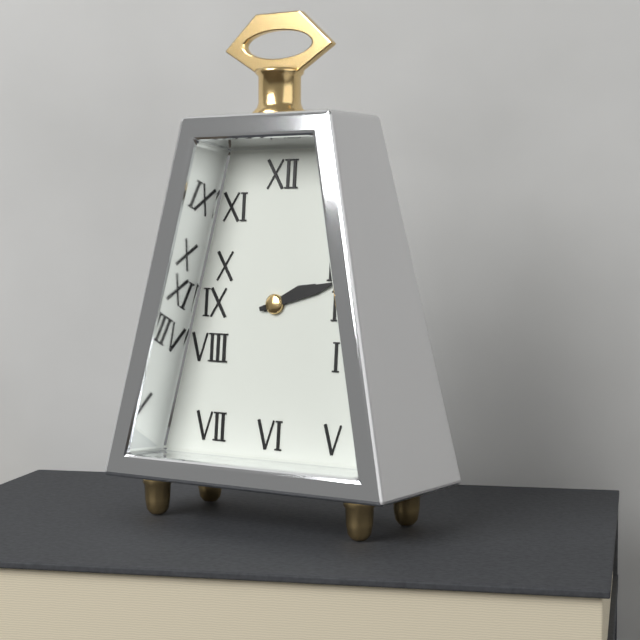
{"hour": 2, "minute": 12}
